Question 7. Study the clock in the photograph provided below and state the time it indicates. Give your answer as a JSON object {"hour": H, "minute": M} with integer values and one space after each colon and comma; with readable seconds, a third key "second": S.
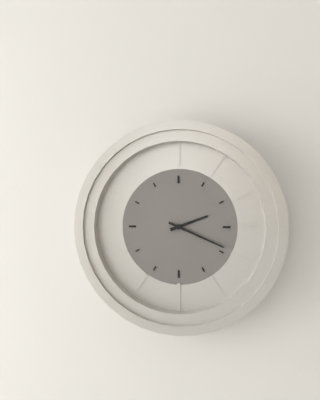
{"hour": 2, "minute": 19}
